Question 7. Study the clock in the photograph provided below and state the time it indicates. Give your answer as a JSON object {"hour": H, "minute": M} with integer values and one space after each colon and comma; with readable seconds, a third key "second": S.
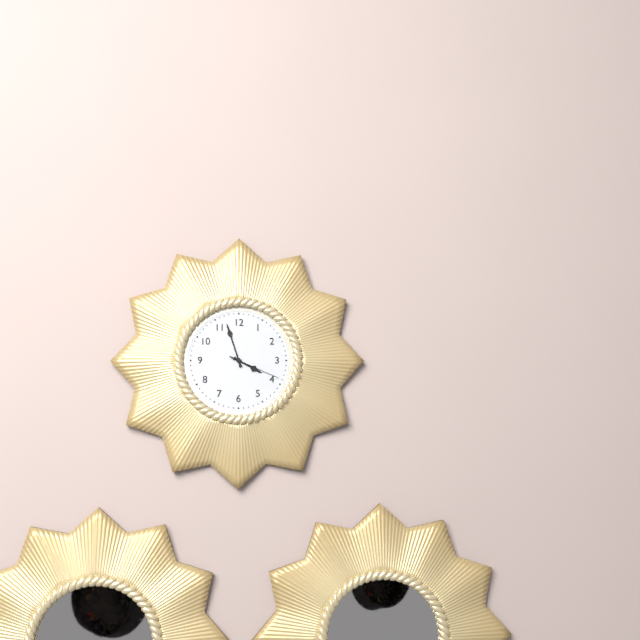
{"hour": 3, "minute": 57, "second": 19}
